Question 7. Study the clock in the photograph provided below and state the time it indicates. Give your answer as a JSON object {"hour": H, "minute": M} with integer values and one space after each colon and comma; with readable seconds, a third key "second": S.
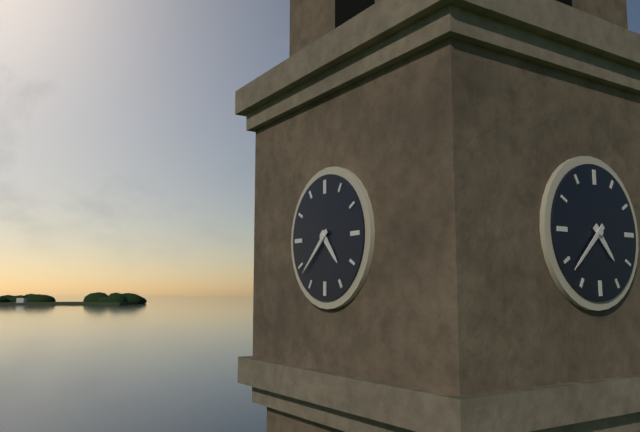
{"hour": 4, "minute": 38}
